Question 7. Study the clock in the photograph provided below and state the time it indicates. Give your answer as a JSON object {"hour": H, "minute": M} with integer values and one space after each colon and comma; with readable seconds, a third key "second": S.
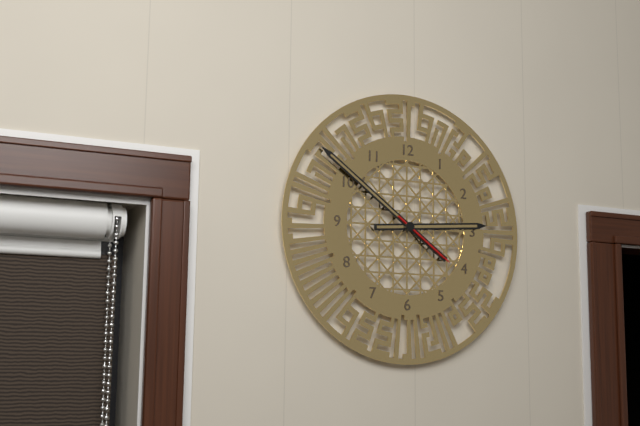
{"hour": 2, "minute": 51, "second": 21}
